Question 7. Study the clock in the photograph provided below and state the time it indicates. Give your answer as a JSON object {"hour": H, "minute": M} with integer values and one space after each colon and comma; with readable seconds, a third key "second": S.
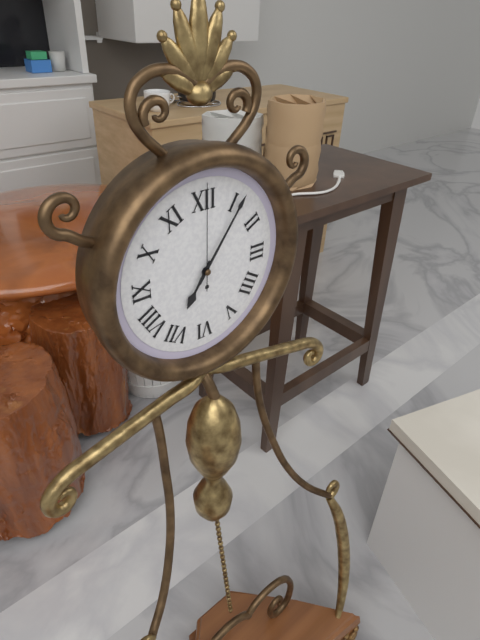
{"hour": 7, "minute": 6, "second": 0}
